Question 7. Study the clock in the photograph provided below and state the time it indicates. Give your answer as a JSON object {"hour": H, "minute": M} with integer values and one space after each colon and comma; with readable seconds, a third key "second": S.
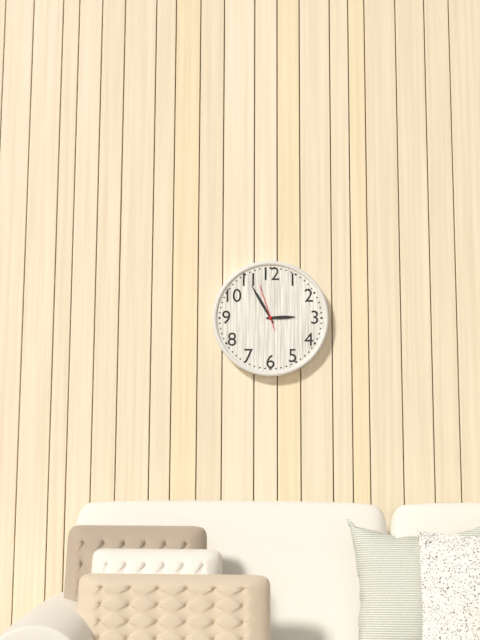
{"hour": 2, "minute": 55}
